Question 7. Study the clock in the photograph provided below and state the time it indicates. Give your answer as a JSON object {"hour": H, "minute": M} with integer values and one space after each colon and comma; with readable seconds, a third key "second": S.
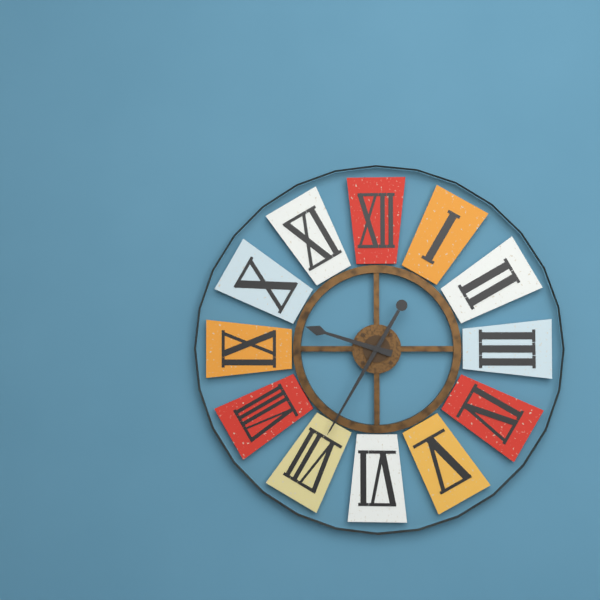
{"hour": 9, "minute": 35}
